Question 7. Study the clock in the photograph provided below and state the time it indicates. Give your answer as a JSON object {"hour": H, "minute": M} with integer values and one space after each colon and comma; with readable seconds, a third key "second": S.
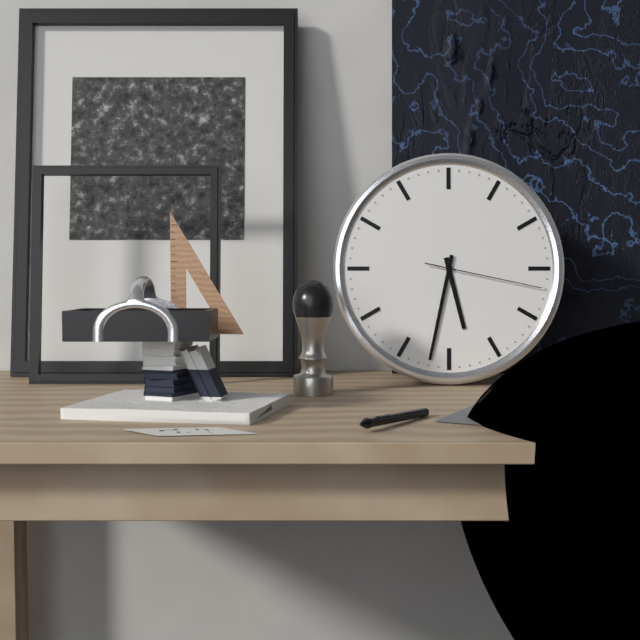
{"hour": 5, "minute": 32, "second": 17}
